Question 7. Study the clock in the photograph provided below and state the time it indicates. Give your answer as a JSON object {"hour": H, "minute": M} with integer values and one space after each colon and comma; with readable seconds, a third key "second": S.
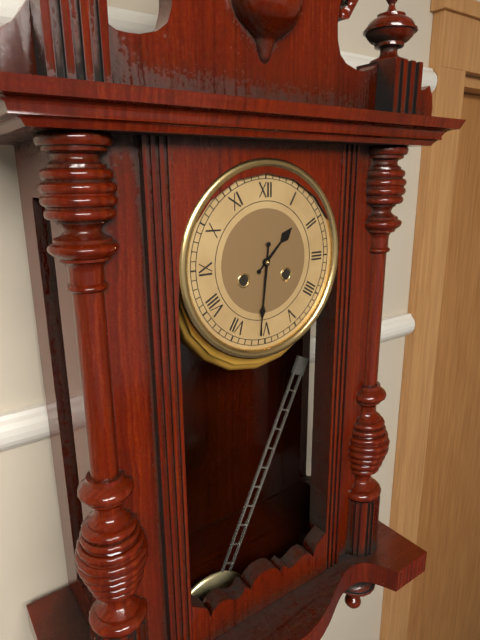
{"hour": 1, "minute": 31}
